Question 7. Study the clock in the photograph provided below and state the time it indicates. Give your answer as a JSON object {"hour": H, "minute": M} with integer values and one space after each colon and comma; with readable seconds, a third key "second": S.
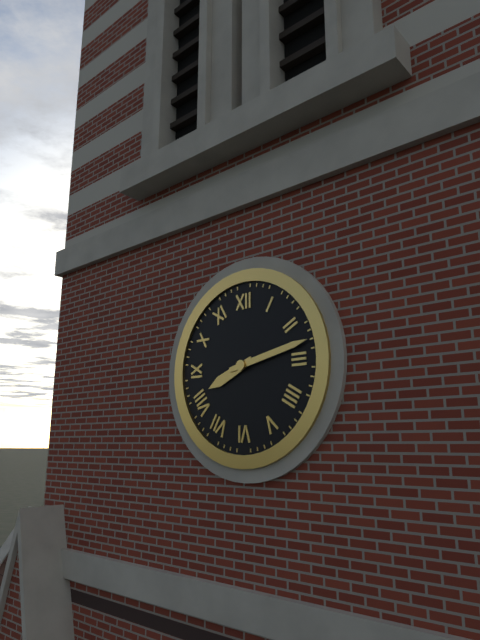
{"hour": 8, "minute": 13}
